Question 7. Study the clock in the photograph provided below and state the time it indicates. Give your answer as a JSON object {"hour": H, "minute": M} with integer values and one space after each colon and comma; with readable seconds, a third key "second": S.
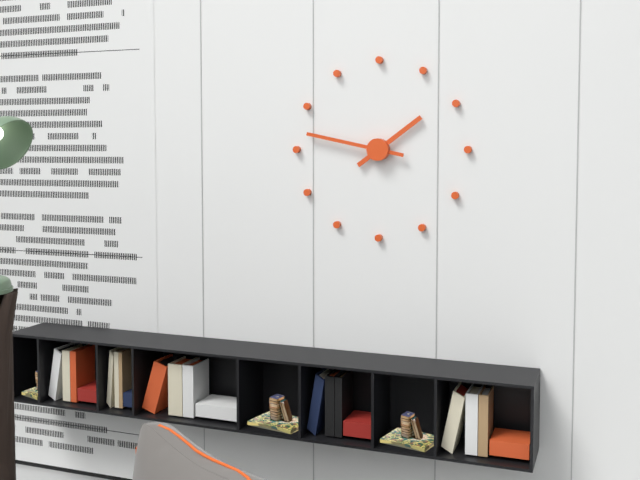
{"hour": 1, "minute": 47}
